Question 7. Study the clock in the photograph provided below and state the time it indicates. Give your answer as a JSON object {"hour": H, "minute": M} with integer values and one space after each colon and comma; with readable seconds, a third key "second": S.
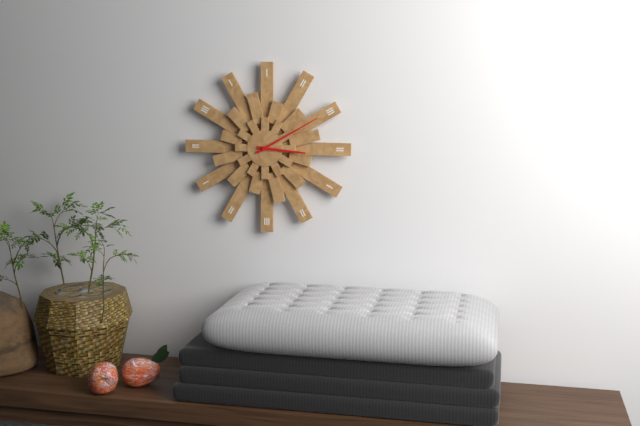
{"hour": 3, "minute": 10}
